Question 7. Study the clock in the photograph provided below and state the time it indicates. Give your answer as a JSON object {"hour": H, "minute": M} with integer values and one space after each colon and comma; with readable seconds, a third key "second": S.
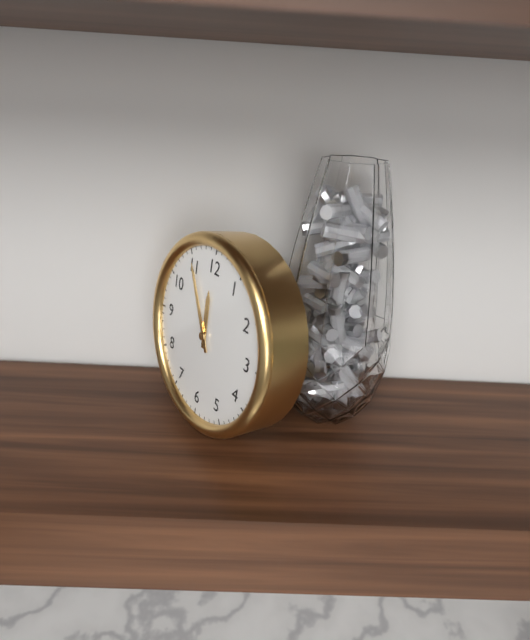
{"hour": 11, "minute": 55}
